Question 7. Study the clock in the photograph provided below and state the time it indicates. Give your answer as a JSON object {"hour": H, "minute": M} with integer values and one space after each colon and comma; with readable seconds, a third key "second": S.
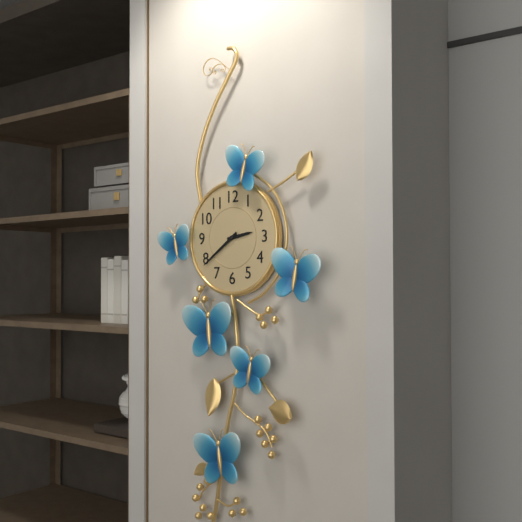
{"hour": 2, "minute": 39}
